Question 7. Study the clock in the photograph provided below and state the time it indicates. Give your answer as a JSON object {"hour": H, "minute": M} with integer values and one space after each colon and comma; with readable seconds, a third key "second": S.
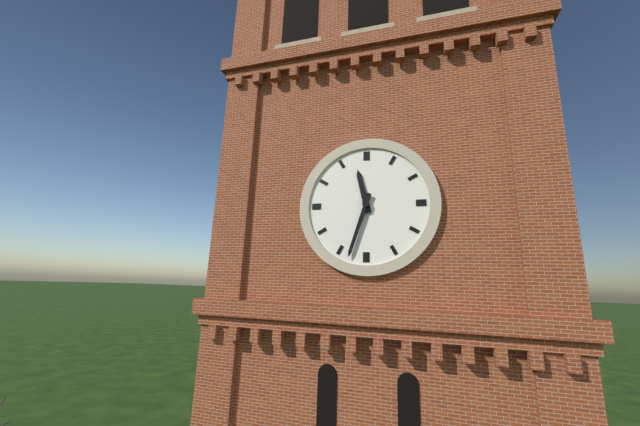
{"hour": 11, "minute": 33}
